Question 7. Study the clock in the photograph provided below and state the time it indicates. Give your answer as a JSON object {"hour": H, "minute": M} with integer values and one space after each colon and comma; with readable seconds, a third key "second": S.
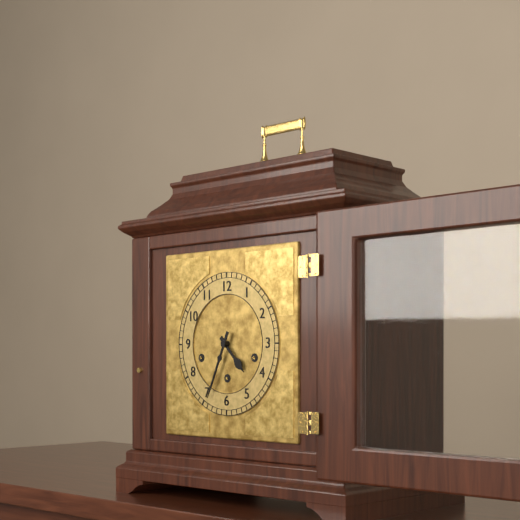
{"hour": 4, "minute": 34}
